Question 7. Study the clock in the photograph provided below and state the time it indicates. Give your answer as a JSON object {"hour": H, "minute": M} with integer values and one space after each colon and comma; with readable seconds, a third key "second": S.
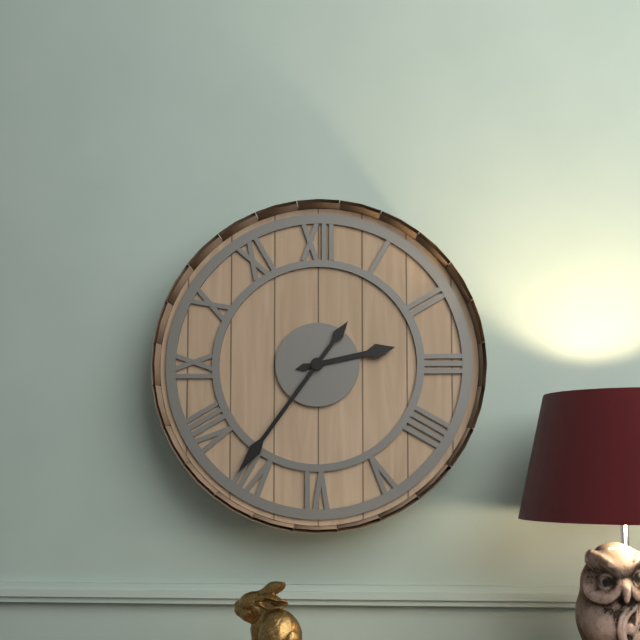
{"hour": 2, "minute": 36}
